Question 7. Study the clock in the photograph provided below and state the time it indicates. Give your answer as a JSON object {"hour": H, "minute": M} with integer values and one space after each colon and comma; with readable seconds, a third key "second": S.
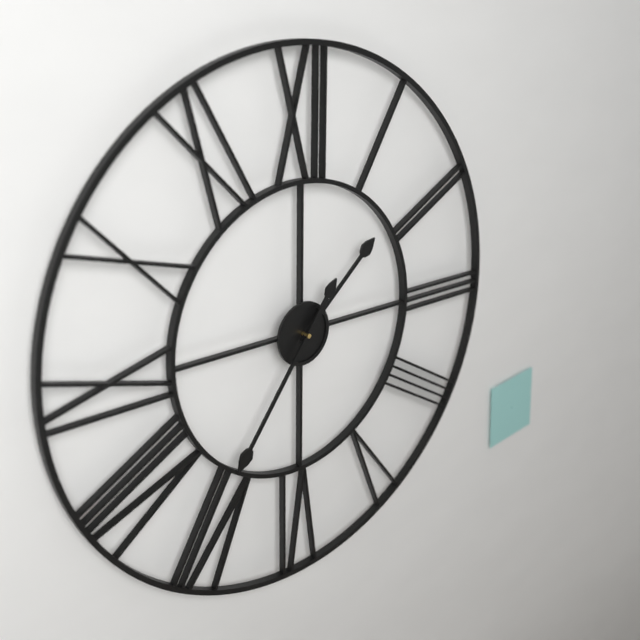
{"hour": 1, "minute": 36}
